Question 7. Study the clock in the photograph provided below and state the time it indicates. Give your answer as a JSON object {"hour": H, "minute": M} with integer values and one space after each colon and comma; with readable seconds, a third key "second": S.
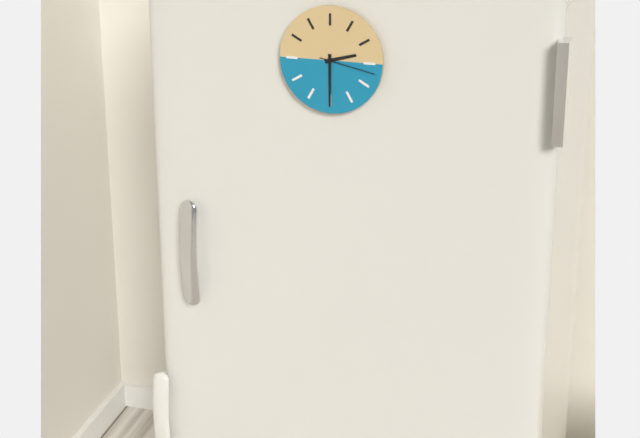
{"hour": 2, "minute": 30, "second": 17}
